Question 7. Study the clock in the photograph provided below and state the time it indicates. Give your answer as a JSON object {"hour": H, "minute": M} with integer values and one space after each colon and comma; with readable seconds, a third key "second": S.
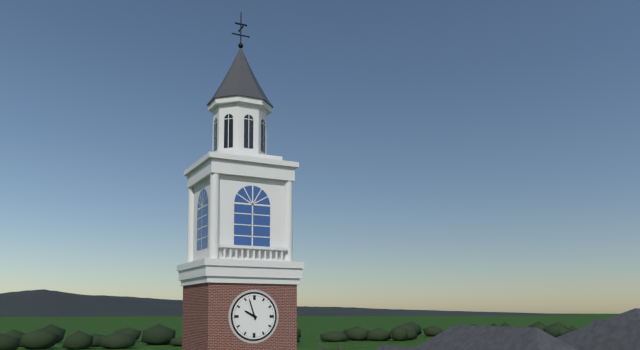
{"hour": 9, "minute": 57}
